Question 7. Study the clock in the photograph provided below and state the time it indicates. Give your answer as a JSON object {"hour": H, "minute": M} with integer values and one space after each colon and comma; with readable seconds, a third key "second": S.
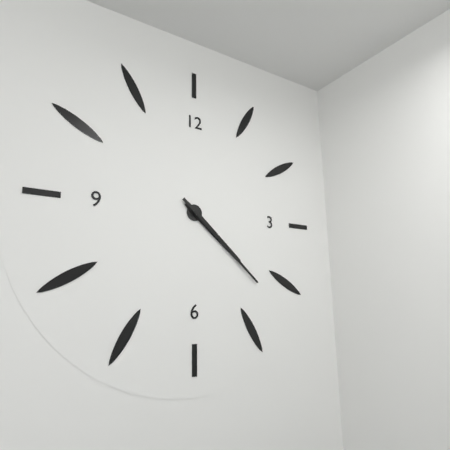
{"hour": 4, "minute": 22}
